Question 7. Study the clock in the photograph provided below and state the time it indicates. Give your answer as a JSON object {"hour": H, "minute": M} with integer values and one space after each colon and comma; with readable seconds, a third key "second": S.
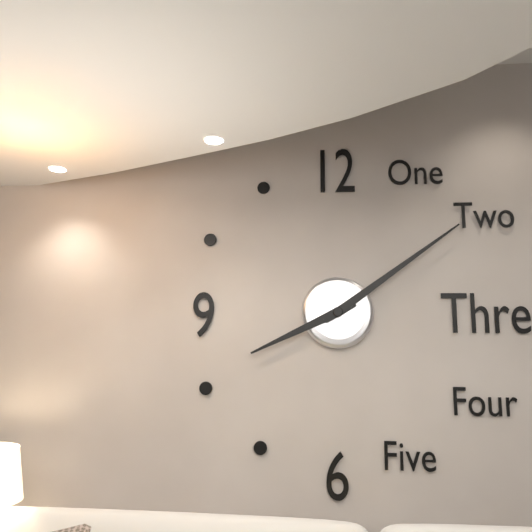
{"hour": 8, "minute": 9}
